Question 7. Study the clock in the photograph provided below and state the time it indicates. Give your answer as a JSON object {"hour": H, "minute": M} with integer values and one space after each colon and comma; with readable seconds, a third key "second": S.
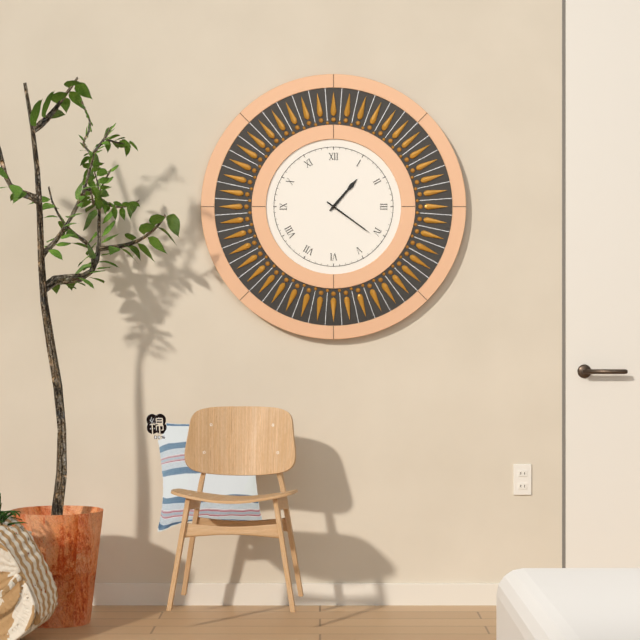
{"hour": 1, "minute": 21}
